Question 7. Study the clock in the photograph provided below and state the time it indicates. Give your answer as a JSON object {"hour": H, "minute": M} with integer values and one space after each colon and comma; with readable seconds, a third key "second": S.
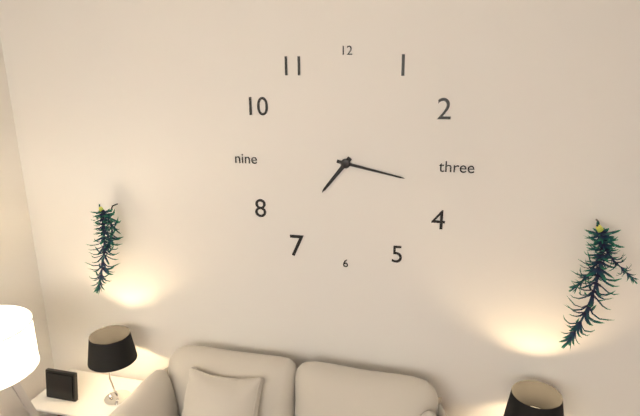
{"hour": 7, "minute": 17}
